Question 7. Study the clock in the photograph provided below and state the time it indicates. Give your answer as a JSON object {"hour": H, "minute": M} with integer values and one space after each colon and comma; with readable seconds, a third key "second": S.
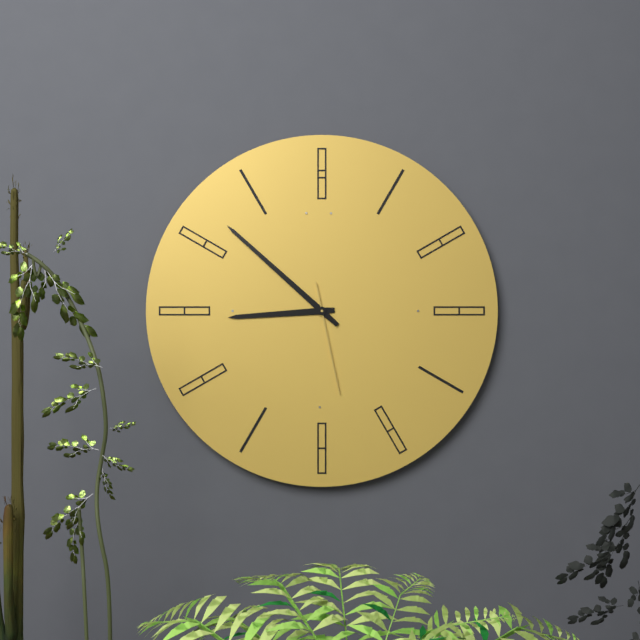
{"hour": 8, "minute": 52, "second": 28}
